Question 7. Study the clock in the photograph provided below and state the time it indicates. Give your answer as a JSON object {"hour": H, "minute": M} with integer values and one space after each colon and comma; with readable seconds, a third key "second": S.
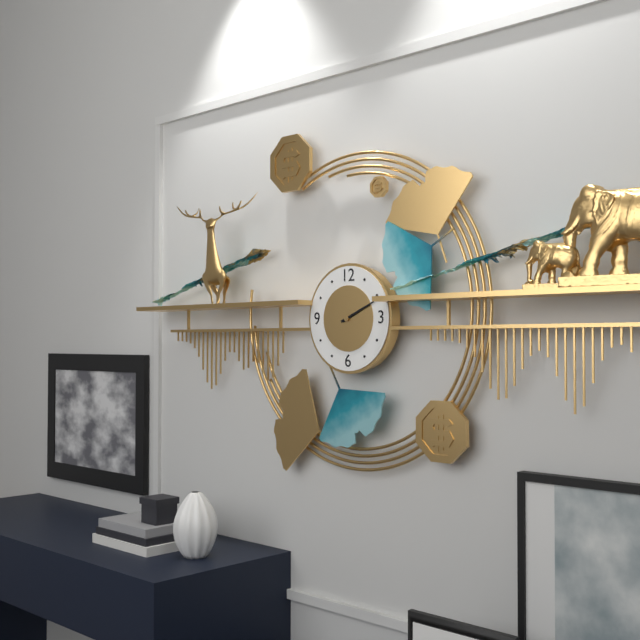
{"hour": 2, "minute": 11}
